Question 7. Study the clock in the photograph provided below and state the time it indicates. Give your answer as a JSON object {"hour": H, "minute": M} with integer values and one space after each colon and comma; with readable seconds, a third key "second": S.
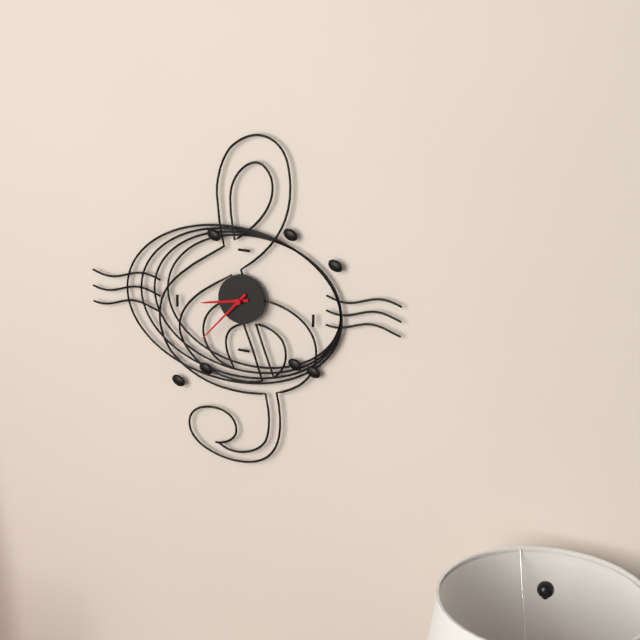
{"hour": 8, "minute": 37}
